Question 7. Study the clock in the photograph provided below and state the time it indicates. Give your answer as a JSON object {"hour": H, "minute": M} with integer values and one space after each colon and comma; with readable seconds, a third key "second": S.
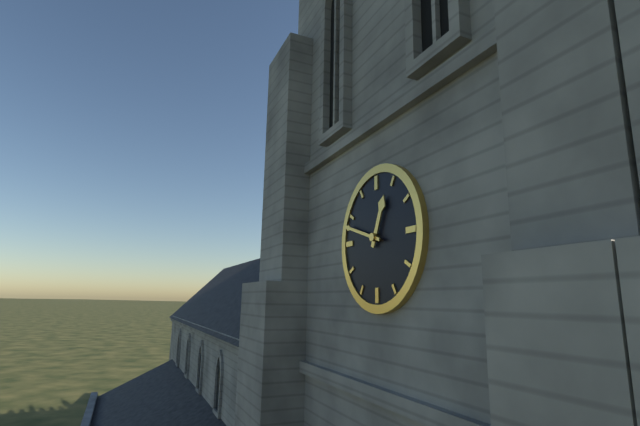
{"hour": 12, "minute": 48}
